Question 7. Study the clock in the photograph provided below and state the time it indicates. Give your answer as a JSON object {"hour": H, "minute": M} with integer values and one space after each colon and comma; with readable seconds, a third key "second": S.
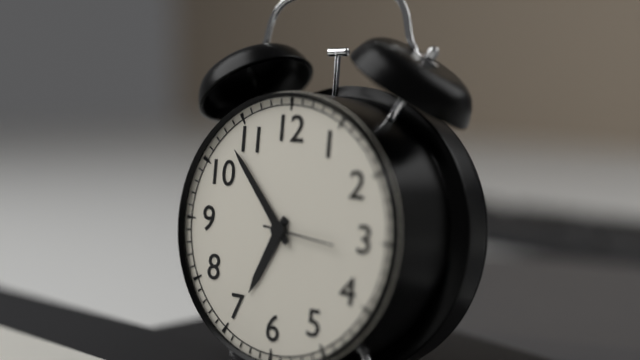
{"hour": 6, "minute": 53}
